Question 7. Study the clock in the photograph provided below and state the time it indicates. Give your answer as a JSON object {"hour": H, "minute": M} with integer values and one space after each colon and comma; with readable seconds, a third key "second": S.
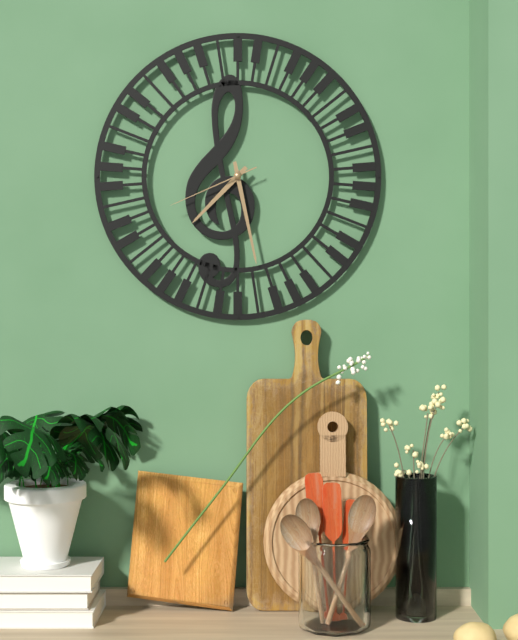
{"hour": 7, "minute": 28, "second": 41}
